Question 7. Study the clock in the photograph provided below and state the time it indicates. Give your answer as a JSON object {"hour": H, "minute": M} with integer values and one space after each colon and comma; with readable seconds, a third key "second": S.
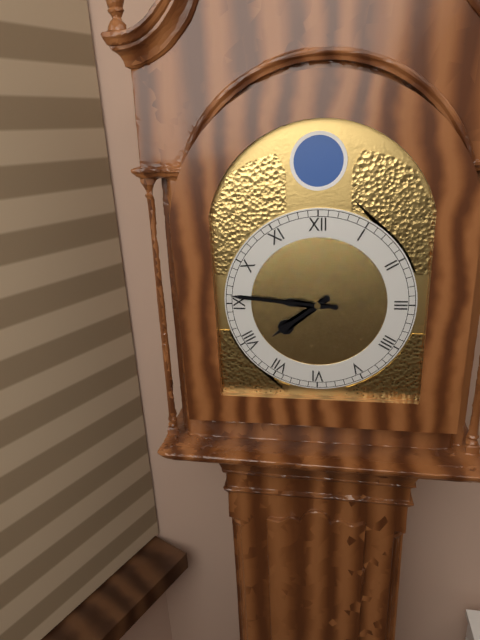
{"hour": 7, "minute": 46}
